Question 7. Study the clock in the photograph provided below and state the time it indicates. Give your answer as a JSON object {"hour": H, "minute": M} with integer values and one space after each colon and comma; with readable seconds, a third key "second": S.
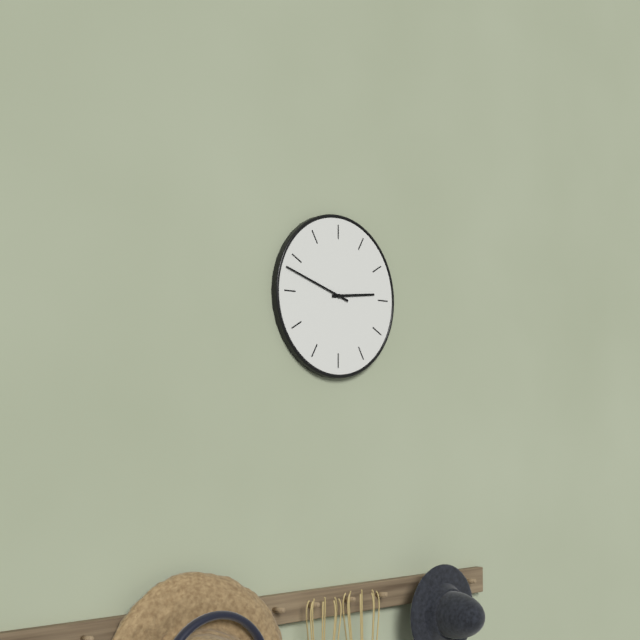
{"hour": 2, "minute": 48}
